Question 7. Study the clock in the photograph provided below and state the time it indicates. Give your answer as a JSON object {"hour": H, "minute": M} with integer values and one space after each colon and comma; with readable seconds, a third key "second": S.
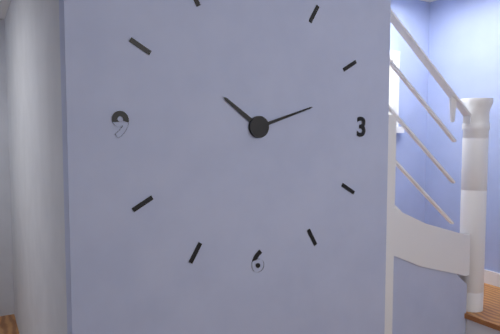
{"hour": 10, "minute": 12}
